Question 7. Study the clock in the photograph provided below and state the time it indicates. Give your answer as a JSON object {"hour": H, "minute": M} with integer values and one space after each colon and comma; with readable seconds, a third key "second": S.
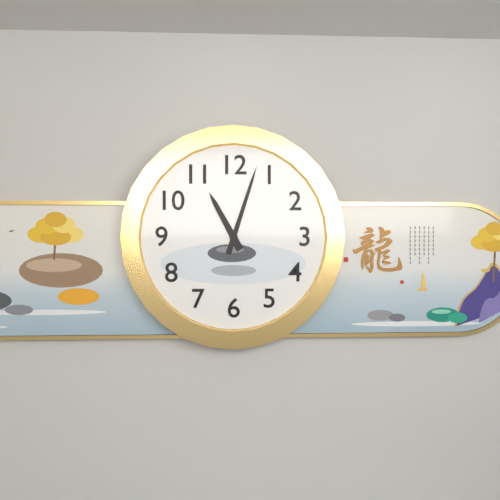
{"hour": 11, "minute": 3}
